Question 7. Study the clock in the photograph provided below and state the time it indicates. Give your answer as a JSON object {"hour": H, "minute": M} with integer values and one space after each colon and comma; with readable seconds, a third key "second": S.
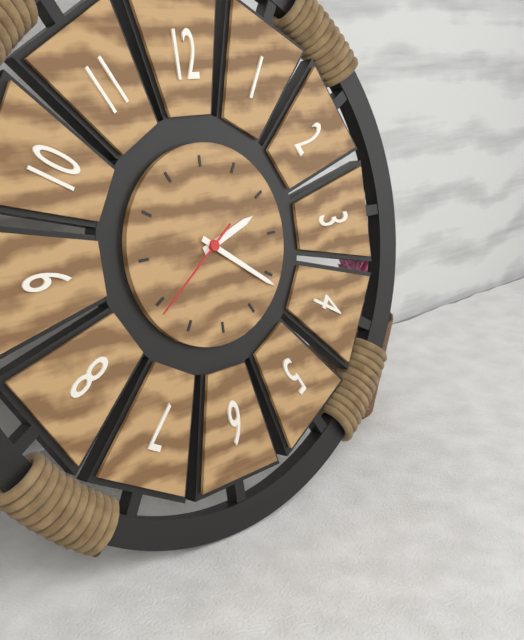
{"hour": 2, "minute": 21, "second": 39}
